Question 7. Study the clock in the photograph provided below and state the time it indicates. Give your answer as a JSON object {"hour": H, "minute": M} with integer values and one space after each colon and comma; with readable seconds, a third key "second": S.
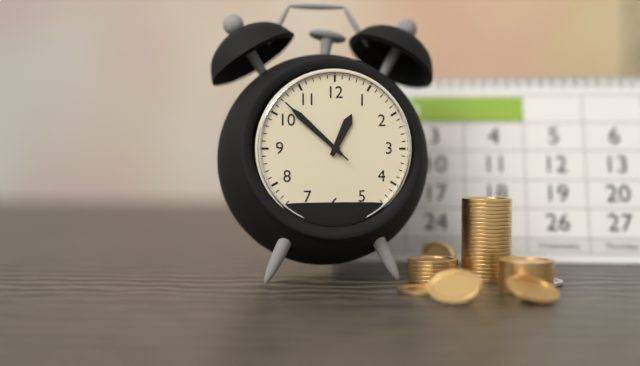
{"hour": 12, "minute": 52, "second": 52}
